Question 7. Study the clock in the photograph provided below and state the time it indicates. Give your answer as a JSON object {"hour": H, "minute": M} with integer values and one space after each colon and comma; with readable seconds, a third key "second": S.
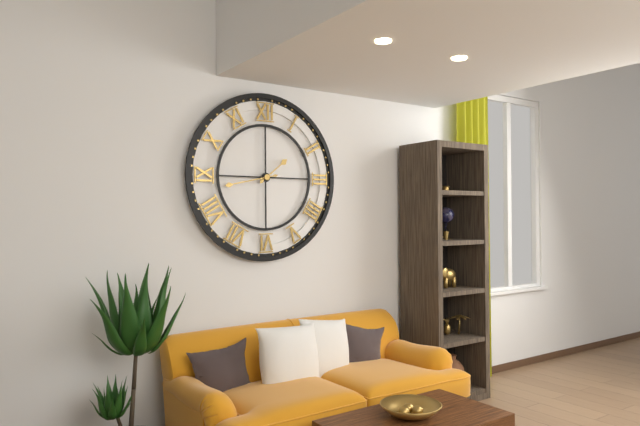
{"hour": 1, "minute": 43}
